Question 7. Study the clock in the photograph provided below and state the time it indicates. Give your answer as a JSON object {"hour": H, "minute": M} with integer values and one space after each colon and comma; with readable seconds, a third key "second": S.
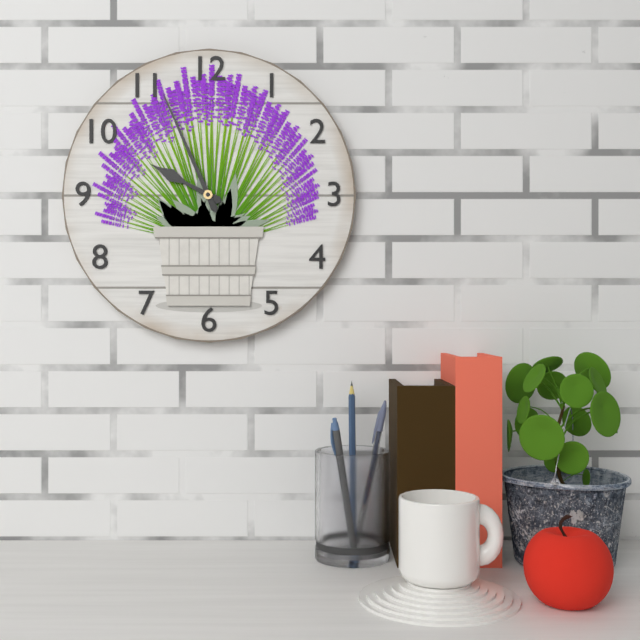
{"hour": 9, "minute": 56}
